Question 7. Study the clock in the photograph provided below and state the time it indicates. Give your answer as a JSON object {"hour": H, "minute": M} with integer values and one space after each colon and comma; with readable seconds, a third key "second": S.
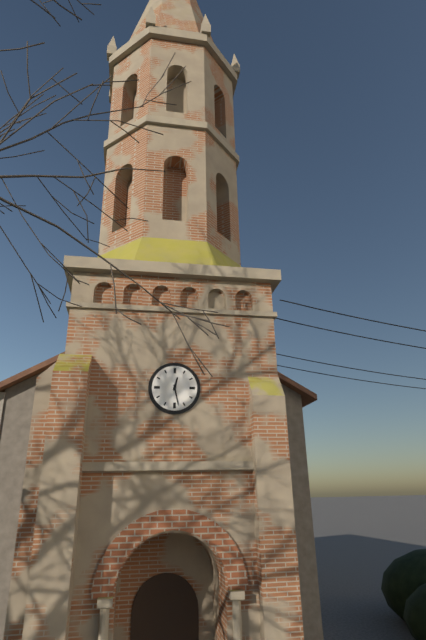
{"hour": 12, "minute": 28}
